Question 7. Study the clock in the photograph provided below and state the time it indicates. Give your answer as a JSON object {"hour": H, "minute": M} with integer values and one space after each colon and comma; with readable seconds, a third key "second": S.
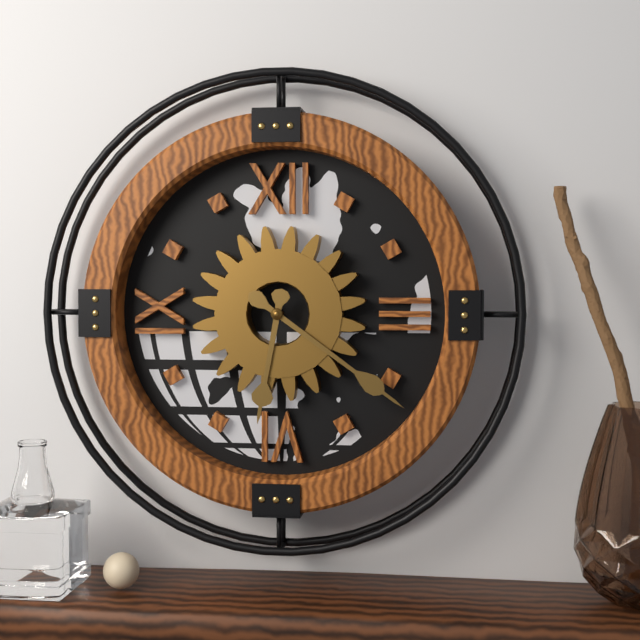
{"hour": 6, "minute": 21}
